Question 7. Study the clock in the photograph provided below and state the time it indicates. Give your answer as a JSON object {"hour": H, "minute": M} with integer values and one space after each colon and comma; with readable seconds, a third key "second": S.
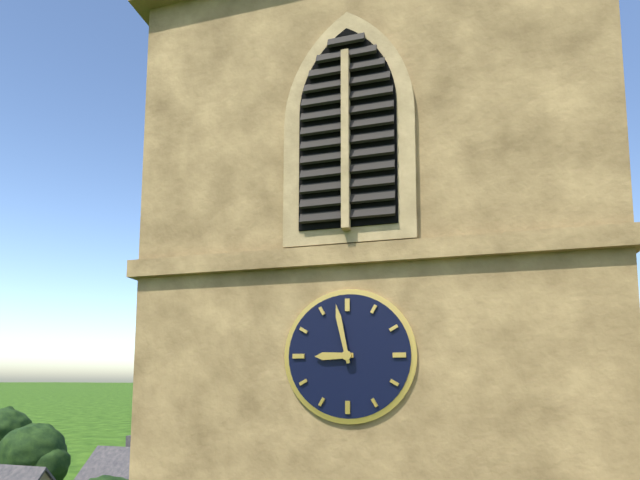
{"hour": 8, "minute": 58}
